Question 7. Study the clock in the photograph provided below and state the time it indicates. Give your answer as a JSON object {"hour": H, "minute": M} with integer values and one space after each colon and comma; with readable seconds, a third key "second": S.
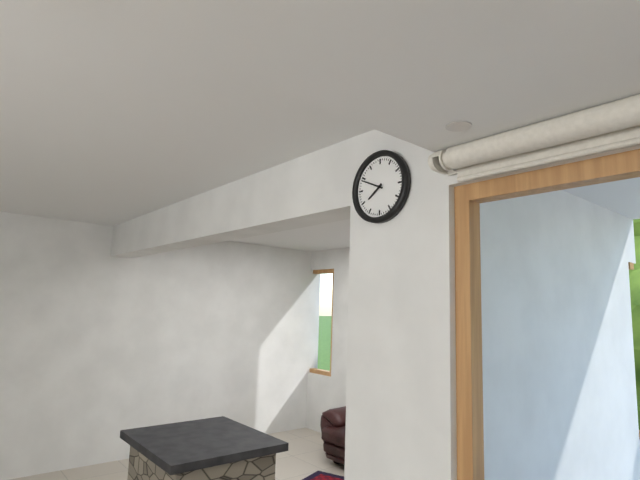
{"hour": 7, "minute": 49}
